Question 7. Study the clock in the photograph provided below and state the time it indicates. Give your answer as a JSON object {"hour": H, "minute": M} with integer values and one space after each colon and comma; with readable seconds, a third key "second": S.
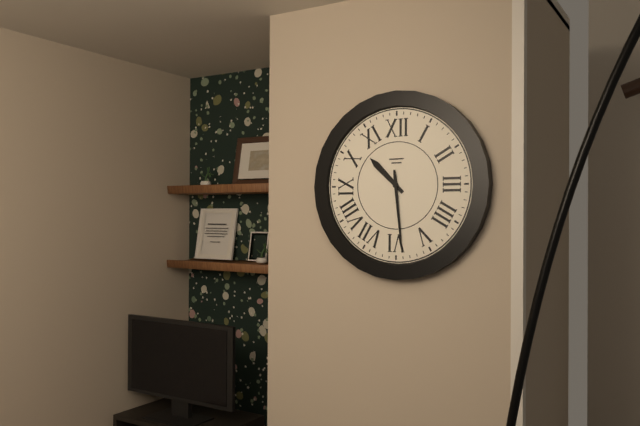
{"hour": 10, "minute": 29}
